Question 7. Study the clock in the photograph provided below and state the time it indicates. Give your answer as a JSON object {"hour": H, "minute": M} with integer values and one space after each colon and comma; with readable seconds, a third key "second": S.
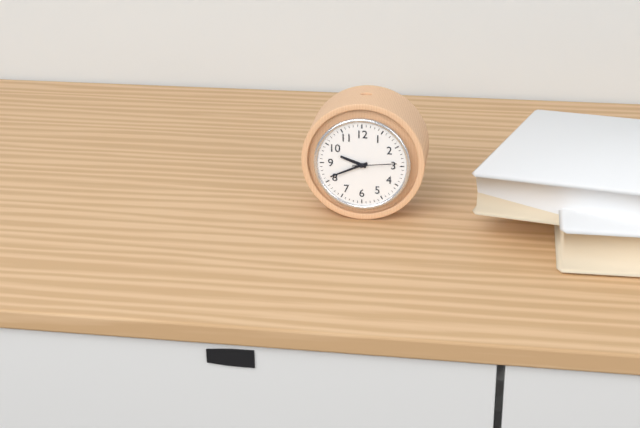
{"hour": 9, "minute": 41}
